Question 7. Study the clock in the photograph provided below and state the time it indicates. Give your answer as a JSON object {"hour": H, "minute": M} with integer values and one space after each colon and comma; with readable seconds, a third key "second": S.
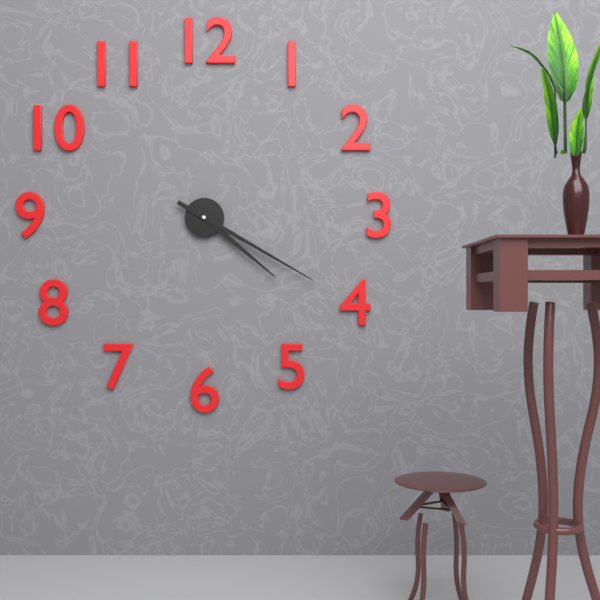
{"hour": 4, "minute": 20}
